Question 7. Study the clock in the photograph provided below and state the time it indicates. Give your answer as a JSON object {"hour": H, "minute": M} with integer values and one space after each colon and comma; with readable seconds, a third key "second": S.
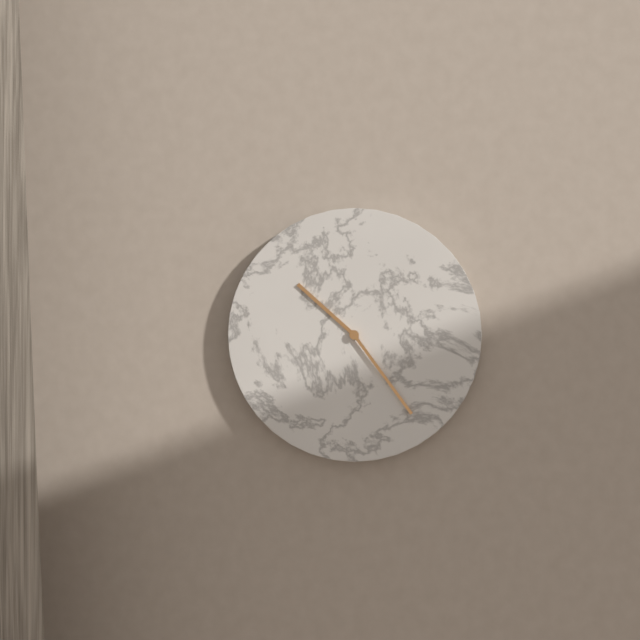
{"hour": 10, "minute": 24}
